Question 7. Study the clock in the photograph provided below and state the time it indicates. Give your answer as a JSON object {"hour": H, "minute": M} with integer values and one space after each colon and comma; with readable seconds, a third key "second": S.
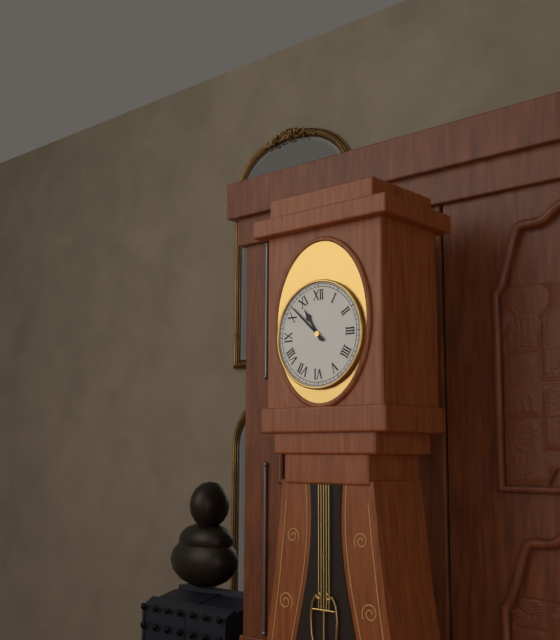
{"hour": 10, "minute": 52}
